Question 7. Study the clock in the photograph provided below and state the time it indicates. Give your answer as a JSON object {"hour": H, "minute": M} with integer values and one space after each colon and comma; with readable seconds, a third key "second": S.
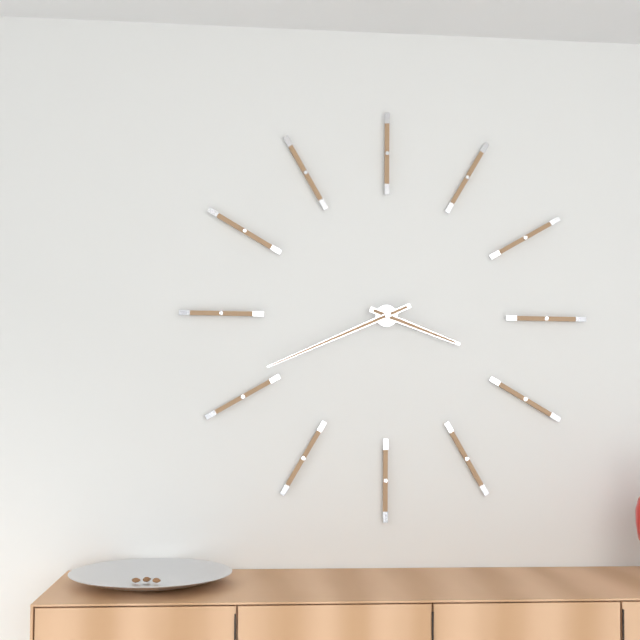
{"hour": 3, "minute": 41}
